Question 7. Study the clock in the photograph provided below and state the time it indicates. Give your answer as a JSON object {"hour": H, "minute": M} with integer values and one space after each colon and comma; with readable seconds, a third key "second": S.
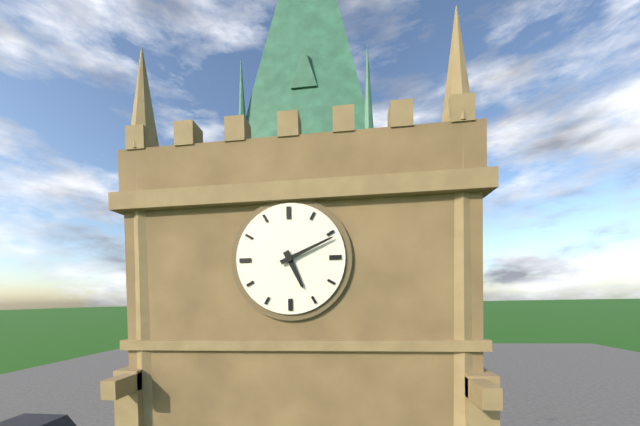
{"hour": 5, "minute": 11}
